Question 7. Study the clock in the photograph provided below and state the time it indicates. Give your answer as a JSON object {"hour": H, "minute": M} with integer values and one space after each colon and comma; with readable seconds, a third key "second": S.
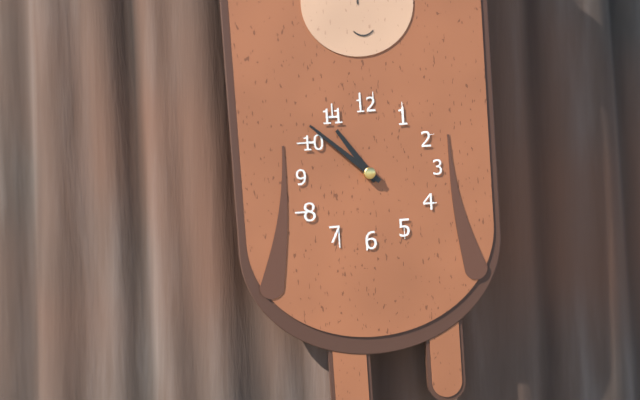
{"hour": 10, "minute": 52}
